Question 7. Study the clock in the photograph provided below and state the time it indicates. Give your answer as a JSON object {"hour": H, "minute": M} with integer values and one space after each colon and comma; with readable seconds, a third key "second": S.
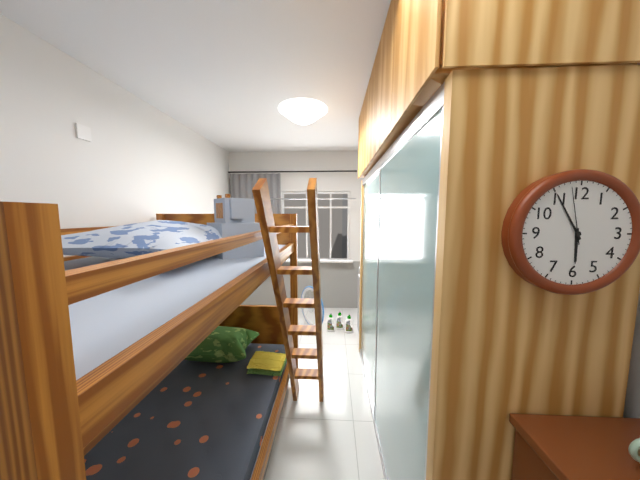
{"hour": 5, "minute": 55, "second": 58}
